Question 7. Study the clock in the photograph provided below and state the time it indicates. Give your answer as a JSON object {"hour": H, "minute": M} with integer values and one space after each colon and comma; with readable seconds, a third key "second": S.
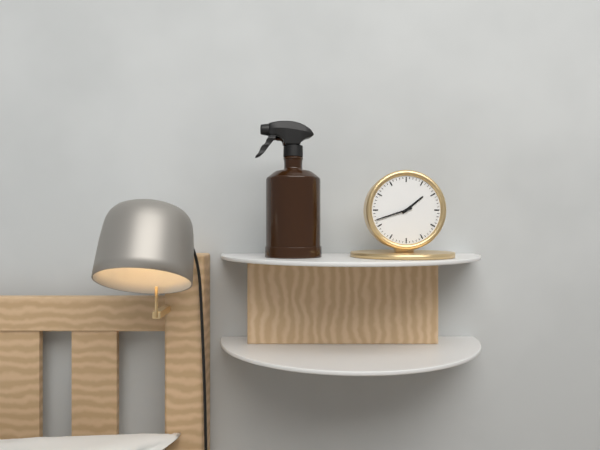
{"hour": 1, "minute": 42}
